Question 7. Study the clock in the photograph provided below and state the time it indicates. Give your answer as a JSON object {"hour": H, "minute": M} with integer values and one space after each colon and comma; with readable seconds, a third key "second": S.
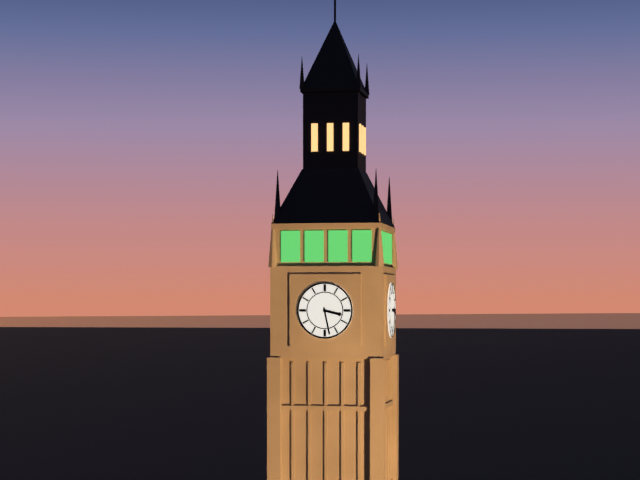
{"hour": 3, "minute": 28}
